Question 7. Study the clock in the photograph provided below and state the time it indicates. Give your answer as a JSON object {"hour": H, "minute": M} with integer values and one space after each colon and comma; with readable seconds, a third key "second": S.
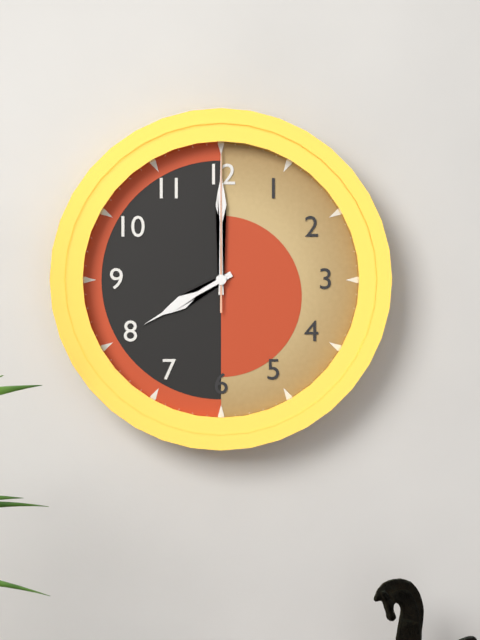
{"hour": 8, "minute": 0, "second": 0}
